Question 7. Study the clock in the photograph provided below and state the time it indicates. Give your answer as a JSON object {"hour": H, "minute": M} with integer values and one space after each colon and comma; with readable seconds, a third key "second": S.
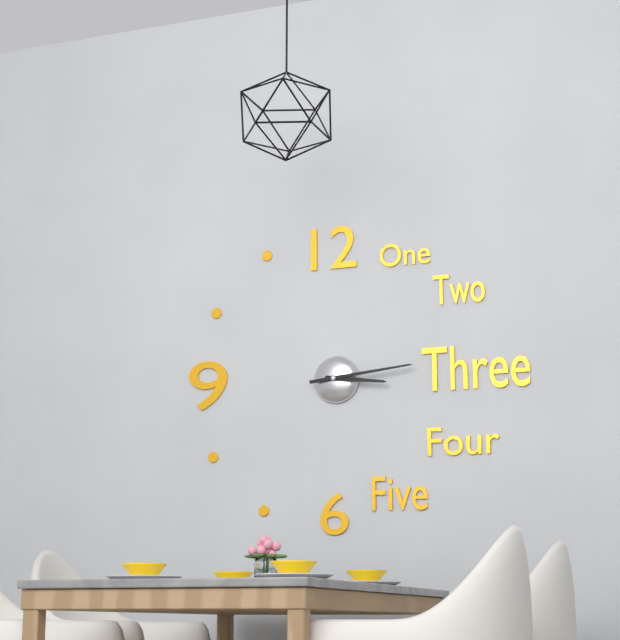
{"hour": 3, "minute": 14}
